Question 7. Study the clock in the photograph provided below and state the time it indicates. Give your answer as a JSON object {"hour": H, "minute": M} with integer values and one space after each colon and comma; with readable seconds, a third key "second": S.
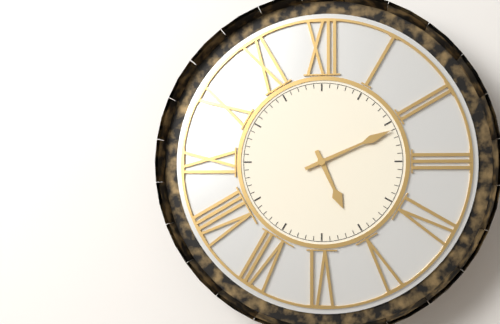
{"hour": 5, "minute": 11}
